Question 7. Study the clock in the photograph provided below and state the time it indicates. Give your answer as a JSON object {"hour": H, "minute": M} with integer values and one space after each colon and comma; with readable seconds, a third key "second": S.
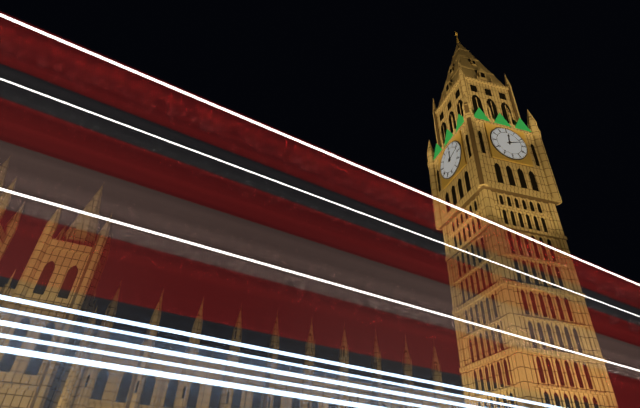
{"hour": 12, "minute": 12}
